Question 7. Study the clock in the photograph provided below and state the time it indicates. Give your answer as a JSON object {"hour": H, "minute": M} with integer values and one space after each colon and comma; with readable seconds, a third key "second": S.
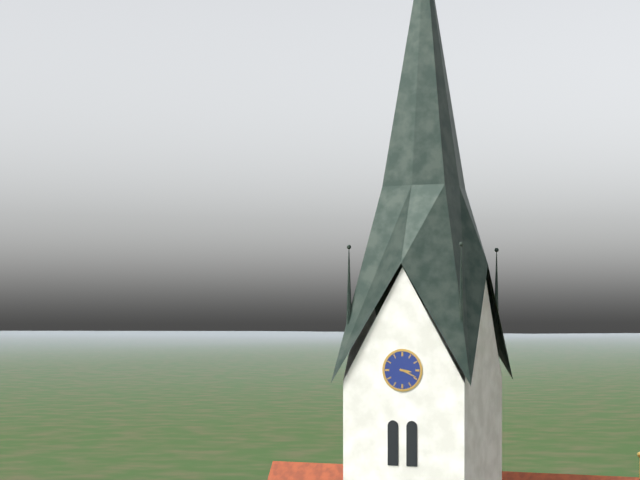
{"hour": 3, "minute": 19}
